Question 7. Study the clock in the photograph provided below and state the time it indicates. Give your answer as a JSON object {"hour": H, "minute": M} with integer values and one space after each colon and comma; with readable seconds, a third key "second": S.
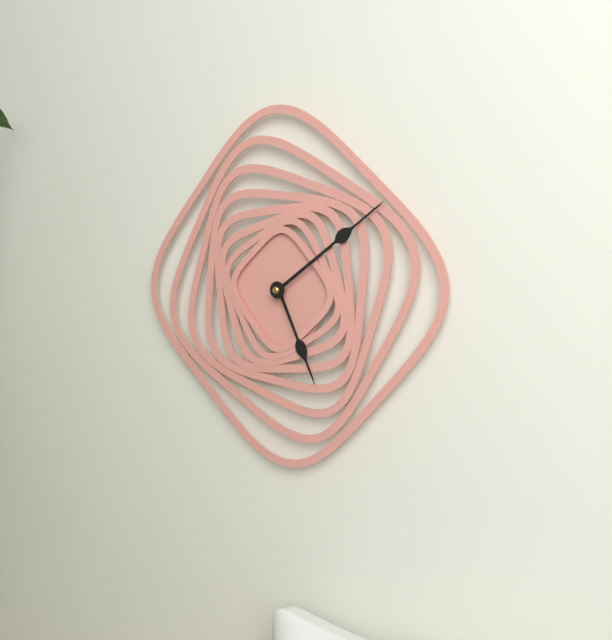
{"hour": 5, "minute": 9}
